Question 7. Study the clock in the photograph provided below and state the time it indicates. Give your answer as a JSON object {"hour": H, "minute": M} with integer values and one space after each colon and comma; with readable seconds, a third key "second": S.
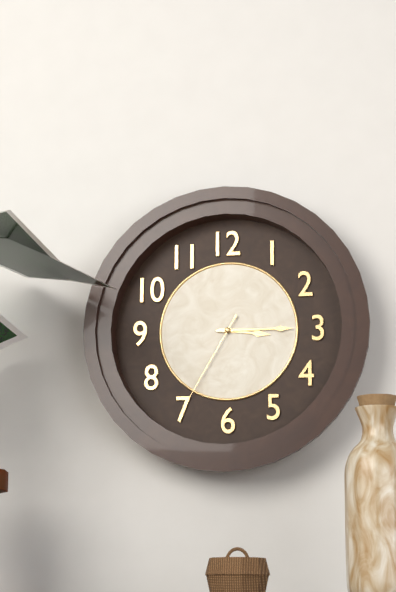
{"hour": 3, "minute": 15, "second": 35}
